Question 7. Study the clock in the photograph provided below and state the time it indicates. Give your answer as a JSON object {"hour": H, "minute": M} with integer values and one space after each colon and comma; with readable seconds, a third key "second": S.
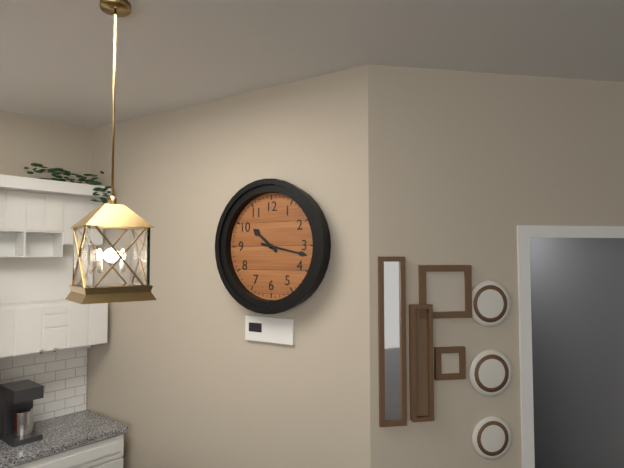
{"hour": 10, "minute": 17}
